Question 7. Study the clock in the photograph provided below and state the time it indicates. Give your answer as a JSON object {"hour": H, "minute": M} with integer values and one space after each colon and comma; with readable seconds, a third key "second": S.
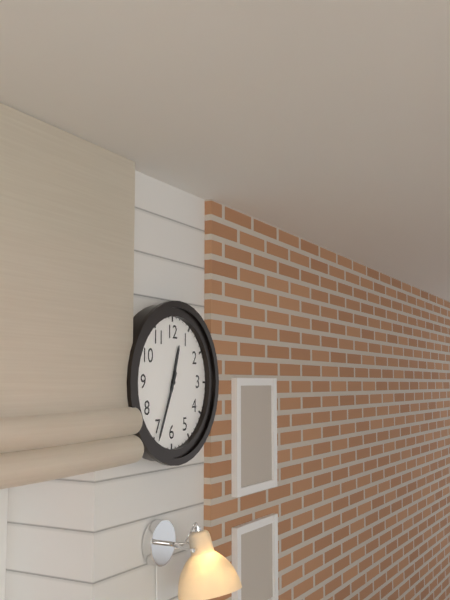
{"hour": 12, "minute": 34}
